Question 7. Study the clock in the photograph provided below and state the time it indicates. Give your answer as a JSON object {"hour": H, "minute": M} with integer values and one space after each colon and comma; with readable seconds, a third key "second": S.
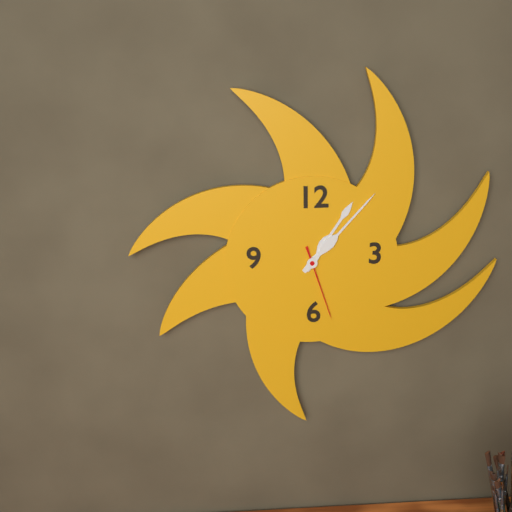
{"hour": 1, "minute": 7, "second": 27}
